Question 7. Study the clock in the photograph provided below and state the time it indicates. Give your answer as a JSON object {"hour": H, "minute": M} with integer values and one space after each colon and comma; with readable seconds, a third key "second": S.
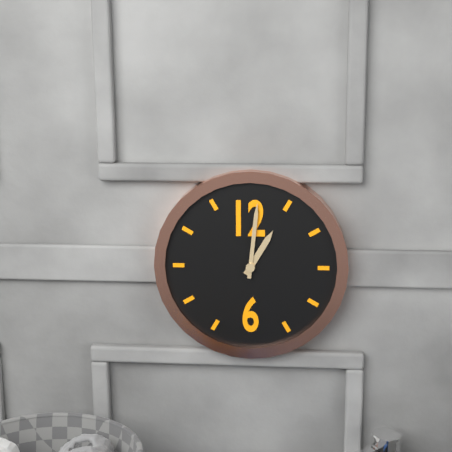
{"hour": 1, "minute": 1}
